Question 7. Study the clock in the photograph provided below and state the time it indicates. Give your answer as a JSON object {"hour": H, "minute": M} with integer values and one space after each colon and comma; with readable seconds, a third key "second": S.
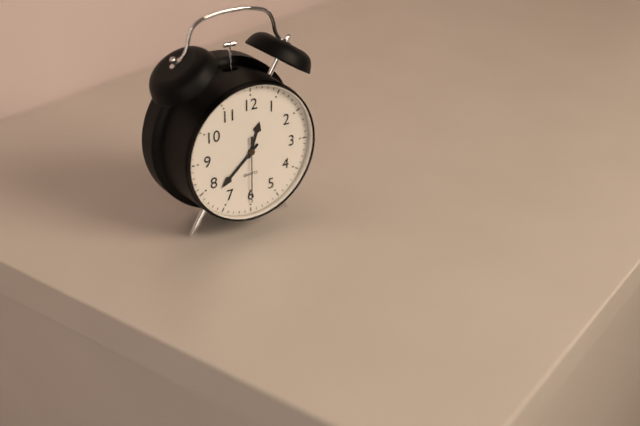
{"hour": 12, "minute": 38, "second": 30}
